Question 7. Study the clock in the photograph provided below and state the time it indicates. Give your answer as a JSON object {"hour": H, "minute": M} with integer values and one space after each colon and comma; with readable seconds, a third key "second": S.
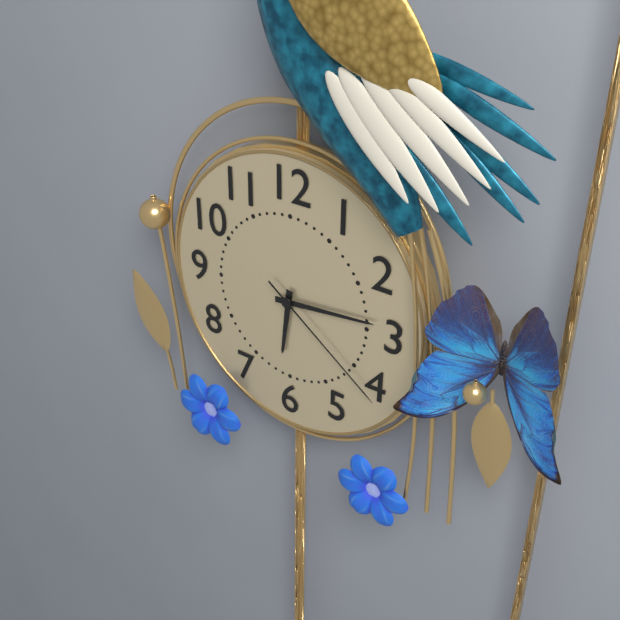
{"hour": 6, "minute": 14, "second": 21}
